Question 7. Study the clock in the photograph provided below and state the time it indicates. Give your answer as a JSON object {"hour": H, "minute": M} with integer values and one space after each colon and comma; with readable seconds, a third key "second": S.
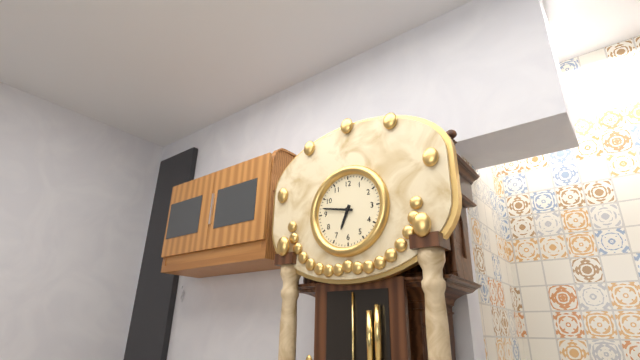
{"hour": 6, "minute": 47}
